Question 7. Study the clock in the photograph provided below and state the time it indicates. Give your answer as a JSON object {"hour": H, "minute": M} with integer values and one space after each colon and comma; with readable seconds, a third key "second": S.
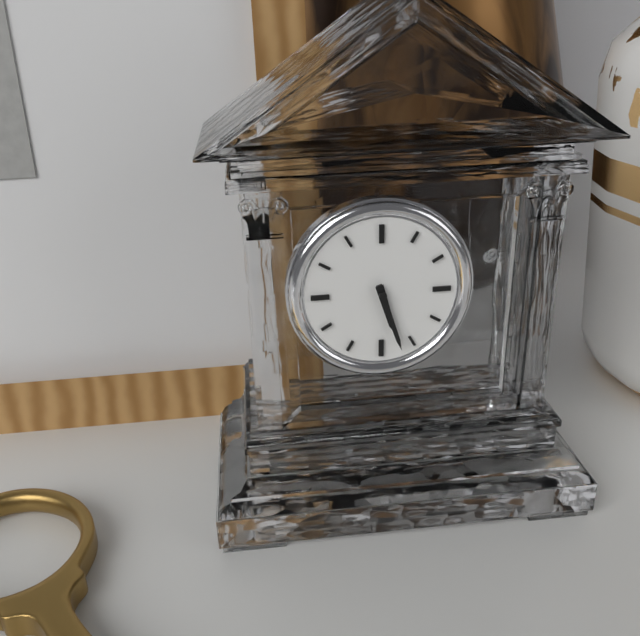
{"hour": 5, "minute": 27}
